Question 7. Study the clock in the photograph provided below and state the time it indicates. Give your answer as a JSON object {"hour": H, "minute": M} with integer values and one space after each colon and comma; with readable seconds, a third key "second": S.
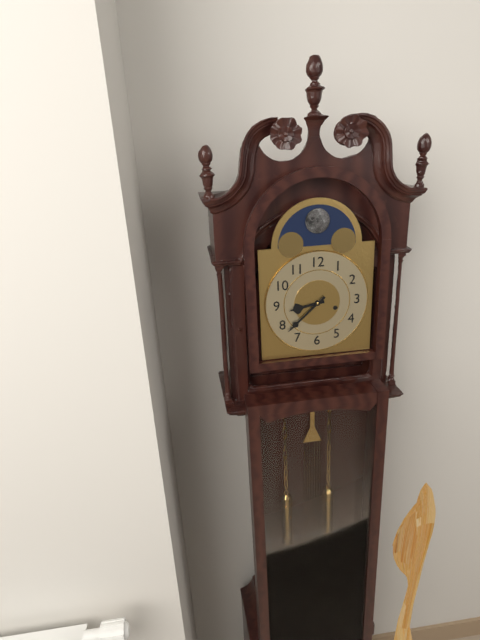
{"hour": 8, "minute": 38}
